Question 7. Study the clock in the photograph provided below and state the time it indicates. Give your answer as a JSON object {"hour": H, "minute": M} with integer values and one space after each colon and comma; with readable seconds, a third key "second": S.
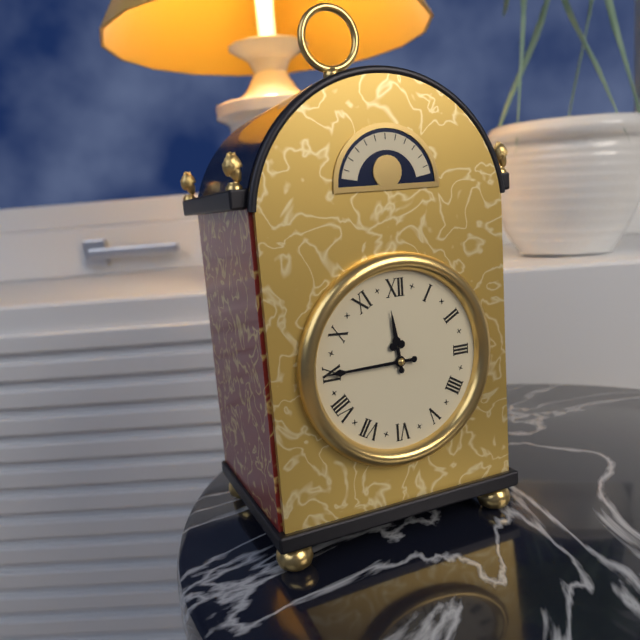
{"hour": 11, "minute": 45}
